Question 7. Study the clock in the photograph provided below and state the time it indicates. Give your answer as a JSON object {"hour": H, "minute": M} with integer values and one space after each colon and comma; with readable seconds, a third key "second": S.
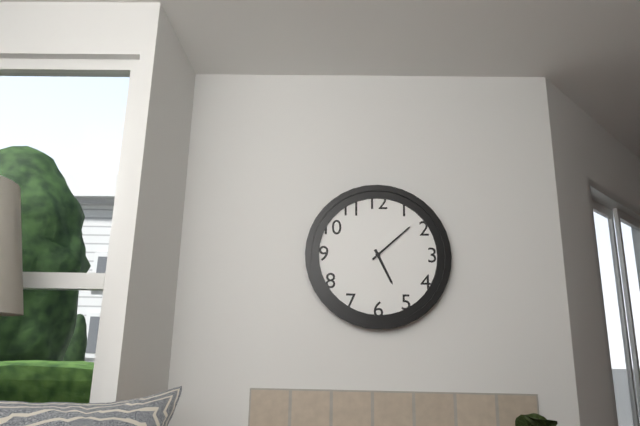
{"hour": 5, "minute": 8}
